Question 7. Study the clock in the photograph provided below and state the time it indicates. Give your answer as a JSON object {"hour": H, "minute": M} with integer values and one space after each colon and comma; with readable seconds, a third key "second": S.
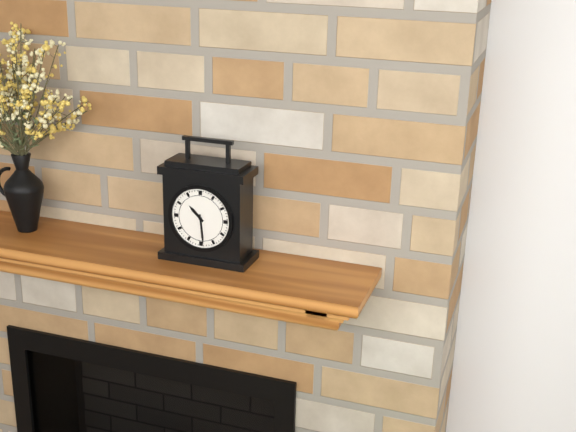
{"hour": 10, "minute": 29}
